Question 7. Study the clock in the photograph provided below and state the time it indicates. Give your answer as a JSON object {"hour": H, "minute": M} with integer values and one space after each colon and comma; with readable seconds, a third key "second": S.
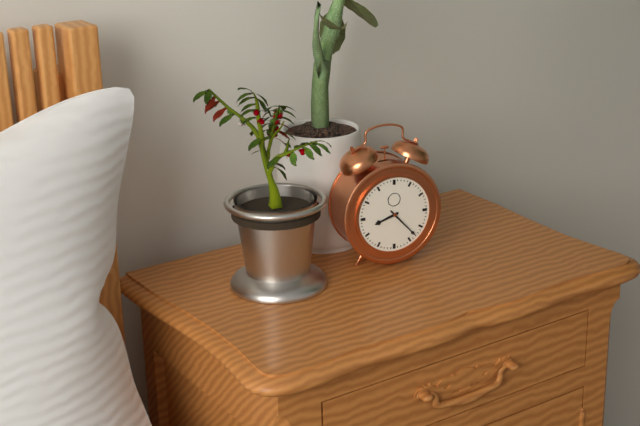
{"hour": 8, "minute": 23}
